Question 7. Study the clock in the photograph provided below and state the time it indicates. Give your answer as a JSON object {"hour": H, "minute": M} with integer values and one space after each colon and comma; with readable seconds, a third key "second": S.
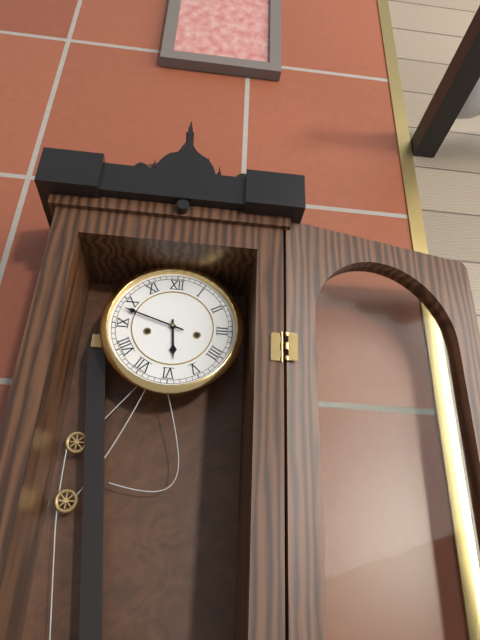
{"hour": 5, "minute": 48}
